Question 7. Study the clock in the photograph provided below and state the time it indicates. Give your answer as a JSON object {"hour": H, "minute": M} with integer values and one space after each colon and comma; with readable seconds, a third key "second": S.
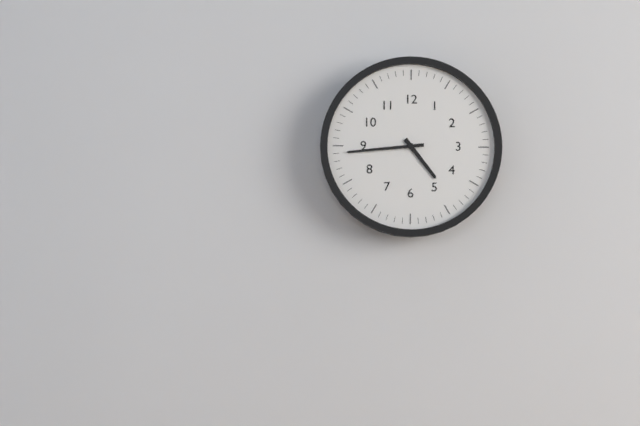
{"hour": 4, "minute": 44}
